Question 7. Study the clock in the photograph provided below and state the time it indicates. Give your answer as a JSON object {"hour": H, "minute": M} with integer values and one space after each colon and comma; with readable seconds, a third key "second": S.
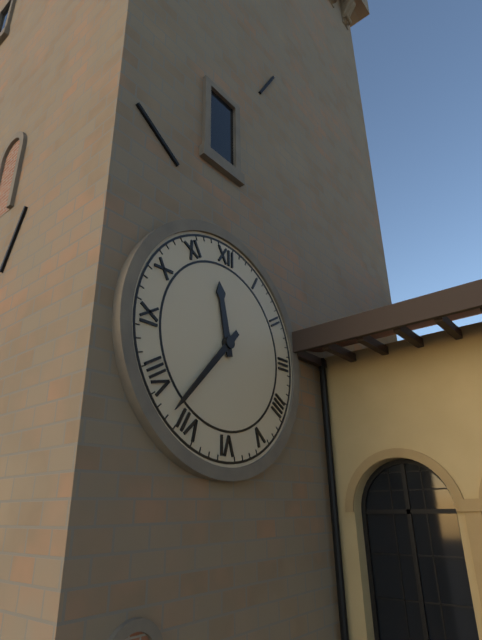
{"hour": 11, "minute": 37}
